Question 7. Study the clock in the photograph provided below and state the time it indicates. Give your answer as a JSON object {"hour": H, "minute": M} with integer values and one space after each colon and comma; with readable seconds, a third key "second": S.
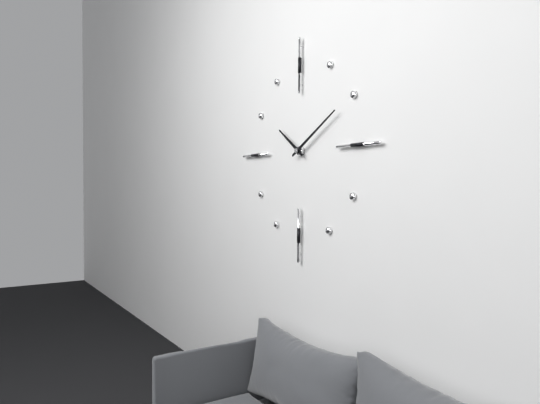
{"hour": 10, "minute": 10}
